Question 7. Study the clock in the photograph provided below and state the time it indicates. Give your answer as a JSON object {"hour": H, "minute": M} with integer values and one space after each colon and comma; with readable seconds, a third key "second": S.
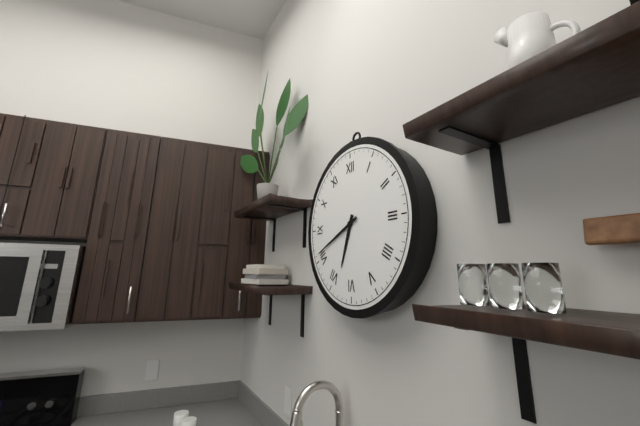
{"hour": 6, "minute": 41}
